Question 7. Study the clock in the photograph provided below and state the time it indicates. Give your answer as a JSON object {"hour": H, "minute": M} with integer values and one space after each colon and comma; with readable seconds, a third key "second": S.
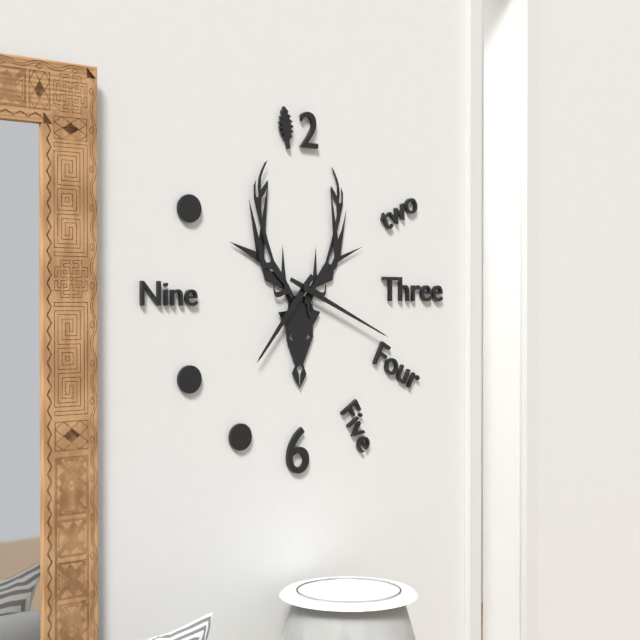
{"hour": 7, "minute": 19}
